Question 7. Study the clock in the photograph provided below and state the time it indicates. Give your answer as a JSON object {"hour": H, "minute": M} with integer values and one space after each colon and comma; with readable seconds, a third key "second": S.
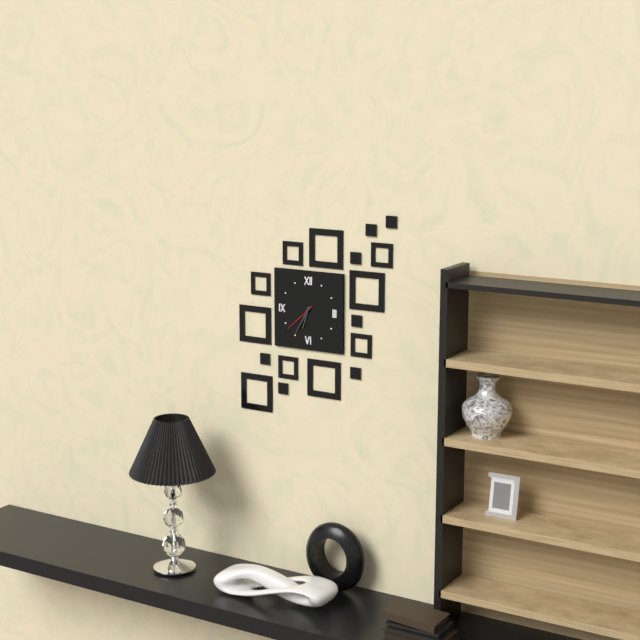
{"hour": 6, "minute": 35}
